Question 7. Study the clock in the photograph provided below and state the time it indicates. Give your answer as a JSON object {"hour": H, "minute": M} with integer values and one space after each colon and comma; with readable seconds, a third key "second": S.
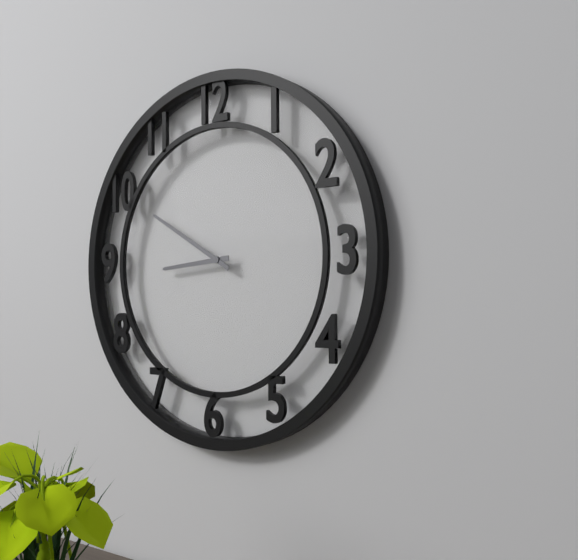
{"hour": 8, "minute": 50}
